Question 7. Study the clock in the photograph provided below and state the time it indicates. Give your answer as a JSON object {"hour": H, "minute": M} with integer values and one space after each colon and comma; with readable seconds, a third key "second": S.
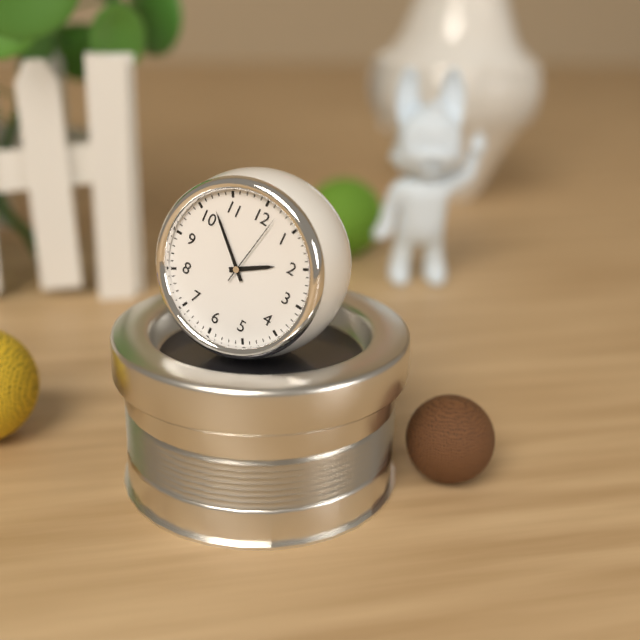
{"hour": 1, "minute": 52, "second": 2}
